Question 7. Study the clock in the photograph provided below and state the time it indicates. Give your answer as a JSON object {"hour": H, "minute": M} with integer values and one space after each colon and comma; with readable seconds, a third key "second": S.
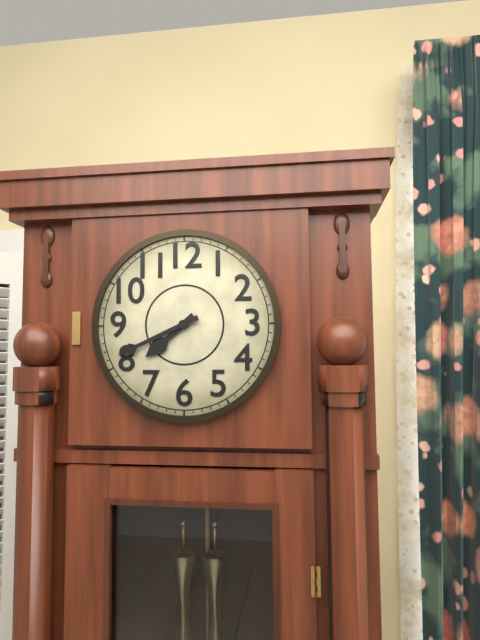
{"hour": 7, "minute": 41}
